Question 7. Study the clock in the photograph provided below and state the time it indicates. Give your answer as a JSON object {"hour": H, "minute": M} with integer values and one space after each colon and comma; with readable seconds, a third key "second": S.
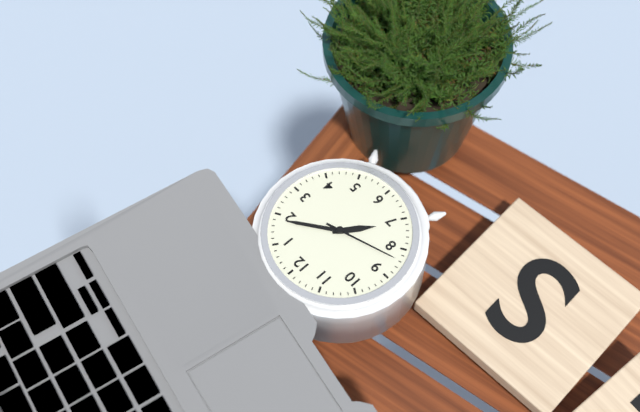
{"hour": 7, "minute": 9, "second": 42}
